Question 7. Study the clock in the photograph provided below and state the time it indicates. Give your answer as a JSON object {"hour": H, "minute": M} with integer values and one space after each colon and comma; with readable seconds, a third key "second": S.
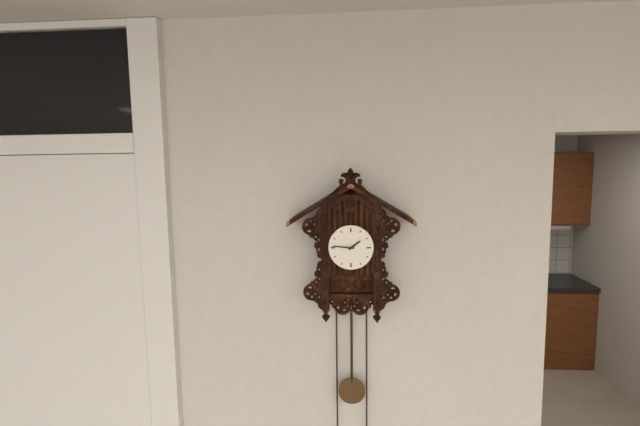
{"hour": 1, "minute": 46}
